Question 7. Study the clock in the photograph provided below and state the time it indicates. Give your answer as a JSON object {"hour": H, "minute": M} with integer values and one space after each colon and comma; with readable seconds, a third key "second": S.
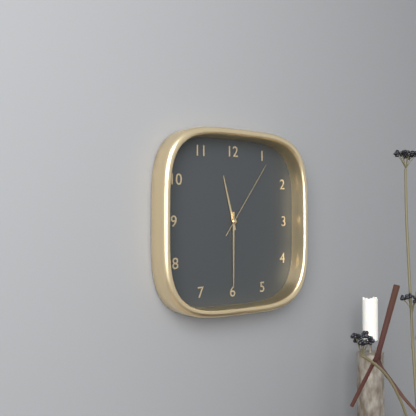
{"hour": 11, "minute": 30, "second": 6}
